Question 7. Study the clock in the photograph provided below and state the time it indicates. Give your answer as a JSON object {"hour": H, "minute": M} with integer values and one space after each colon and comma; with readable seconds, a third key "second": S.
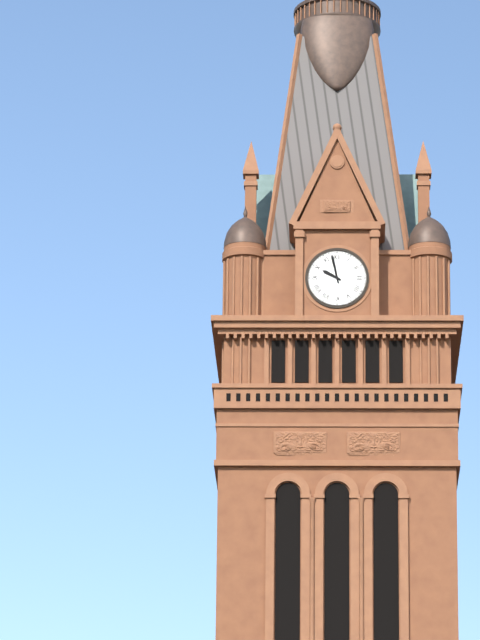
{"hour": 9, "minute": 58}
